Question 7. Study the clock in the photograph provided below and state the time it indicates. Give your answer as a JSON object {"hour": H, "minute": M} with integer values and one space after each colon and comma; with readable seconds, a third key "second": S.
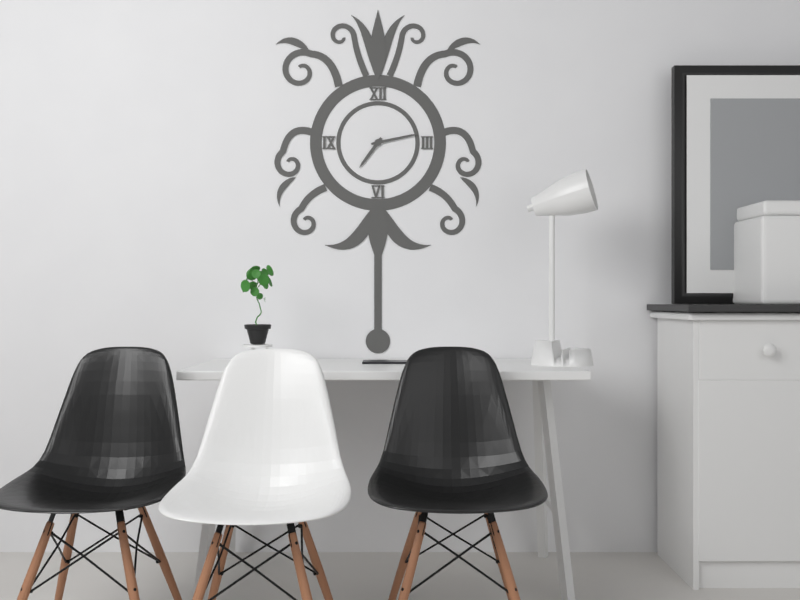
{"hour": 7, "minute": 13}
